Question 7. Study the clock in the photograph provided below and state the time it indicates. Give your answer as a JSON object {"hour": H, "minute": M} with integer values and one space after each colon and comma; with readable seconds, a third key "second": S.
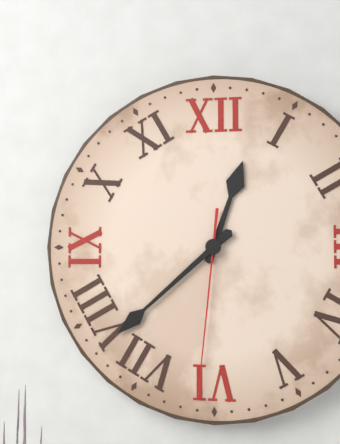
{"hour": 12, "minute": 38, "second": 31}
